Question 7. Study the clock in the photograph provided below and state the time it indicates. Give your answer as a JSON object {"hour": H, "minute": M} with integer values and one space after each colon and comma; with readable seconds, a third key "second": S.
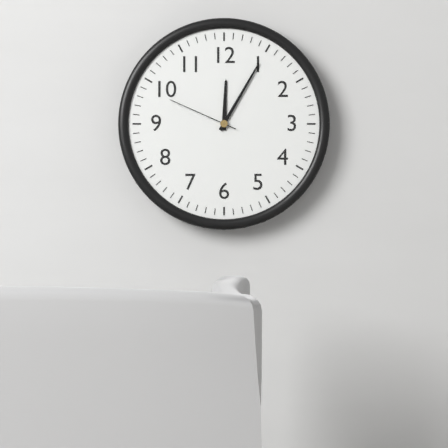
{"hour": 12, "minute": 5, "second": 49}
